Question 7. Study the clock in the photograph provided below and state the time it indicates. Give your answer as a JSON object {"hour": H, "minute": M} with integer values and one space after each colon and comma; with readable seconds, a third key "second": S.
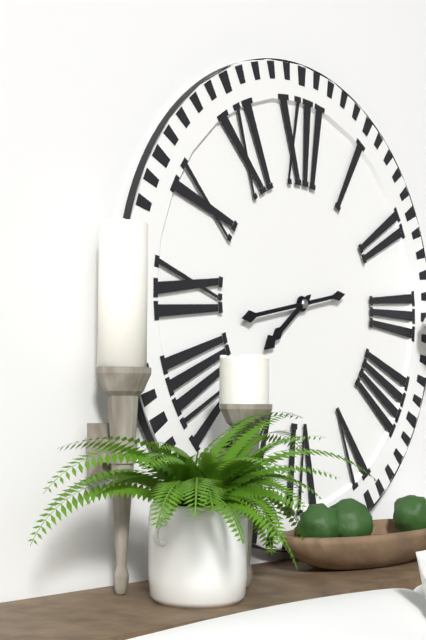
{"hour": 7, "minute": 43}
